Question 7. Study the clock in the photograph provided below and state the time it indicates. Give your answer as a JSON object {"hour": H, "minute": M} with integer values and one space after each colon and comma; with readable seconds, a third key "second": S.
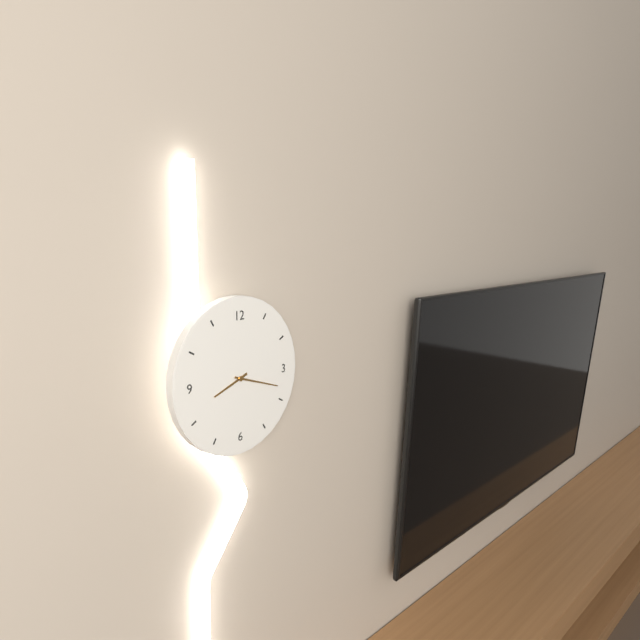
{"hour": 8, "minute": 18}
